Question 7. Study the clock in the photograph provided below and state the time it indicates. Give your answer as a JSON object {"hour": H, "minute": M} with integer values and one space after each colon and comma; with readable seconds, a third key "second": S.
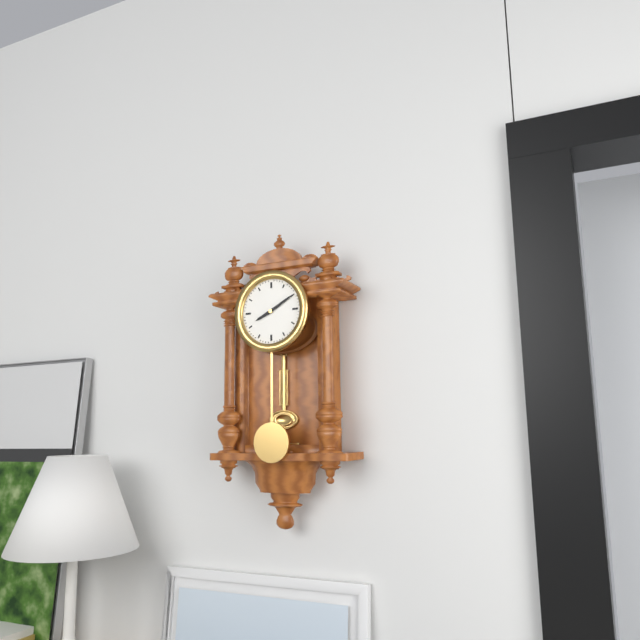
{"hour": 8, "minute": 10}
